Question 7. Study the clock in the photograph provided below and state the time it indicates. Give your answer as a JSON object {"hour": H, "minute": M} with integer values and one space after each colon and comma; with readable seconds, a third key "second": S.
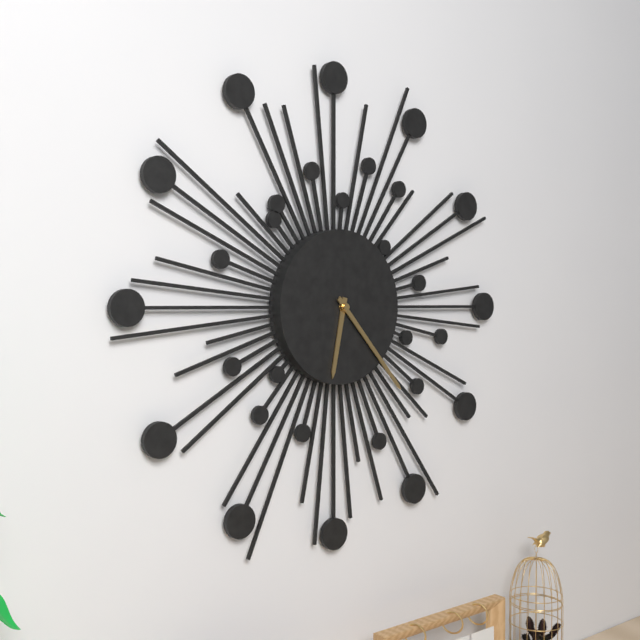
{"hour": 6, "minute": 23}
